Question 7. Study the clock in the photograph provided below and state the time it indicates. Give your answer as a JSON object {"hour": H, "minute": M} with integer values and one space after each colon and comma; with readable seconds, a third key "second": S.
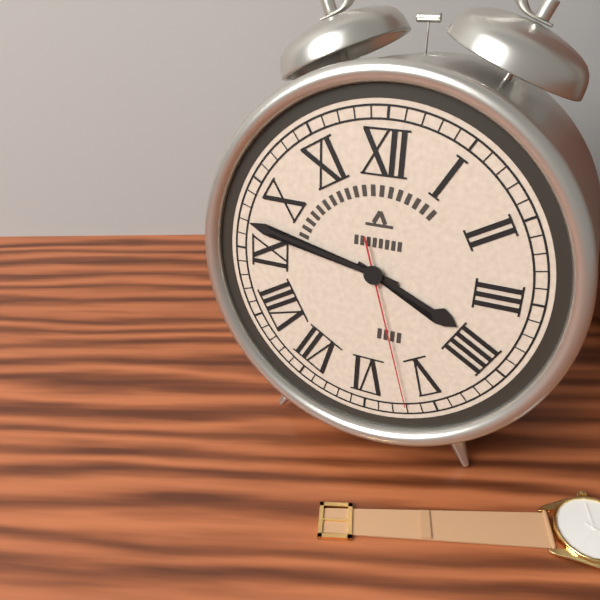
{"hour": 3, "minute": 47, "second": 27}
